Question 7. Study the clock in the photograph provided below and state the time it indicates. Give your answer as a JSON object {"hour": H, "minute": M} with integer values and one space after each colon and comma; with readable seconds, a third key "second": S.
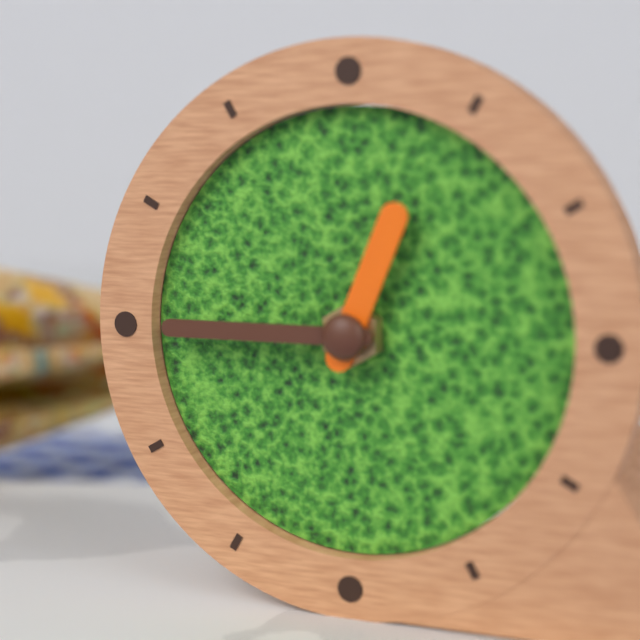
{"hour": 12, "minute": 45}
